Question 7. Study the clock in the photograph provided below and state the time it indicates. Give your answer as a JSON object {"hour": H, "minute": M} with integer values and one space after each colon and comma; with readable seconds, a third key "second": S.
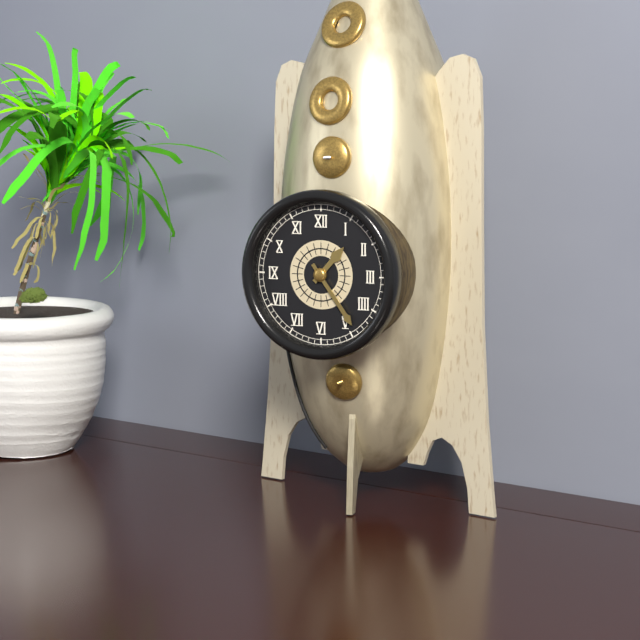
{"hour": 1, "minute": 24}
